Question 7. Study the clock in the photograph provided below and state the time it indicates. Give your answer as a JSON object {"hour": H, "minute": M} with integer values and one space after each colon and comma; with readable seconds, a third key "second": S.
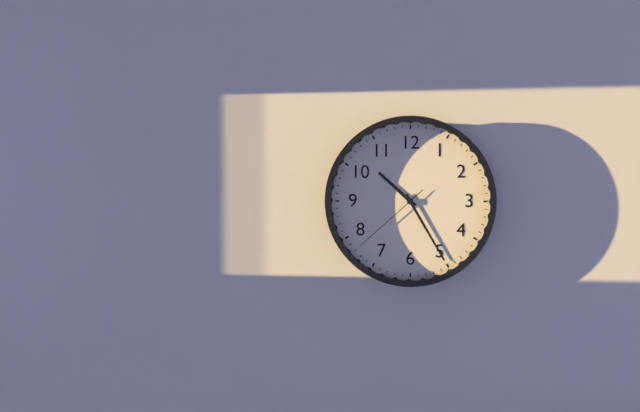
{"hour": 10, "minute": 25, "second": 38}
